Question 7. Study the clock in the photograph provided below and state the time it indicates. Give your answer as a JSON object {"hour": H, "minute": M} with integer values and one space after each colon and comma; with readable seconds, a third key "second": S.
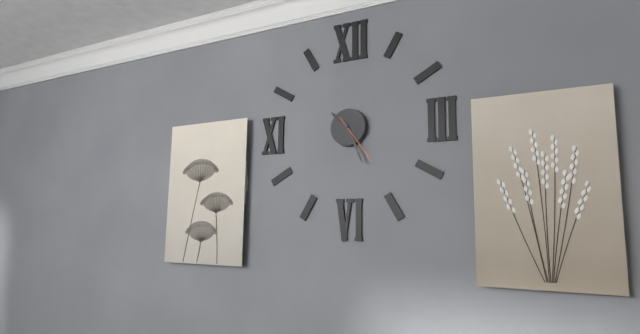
{"hour": 10, "minute": 26, "second": 24}
